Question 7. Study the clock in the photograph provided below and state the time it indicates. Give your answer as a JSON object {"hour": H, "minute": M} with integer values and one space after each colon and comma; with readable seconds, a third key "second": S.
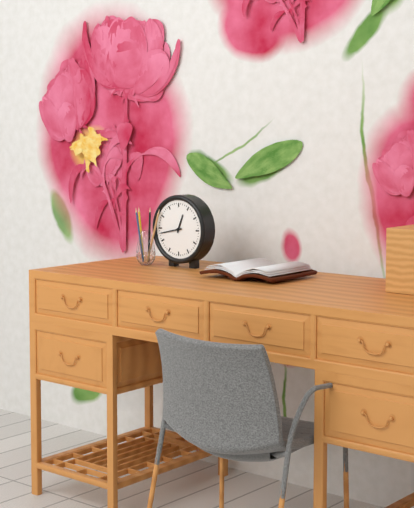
{"hour": 12, "minute": 43}
